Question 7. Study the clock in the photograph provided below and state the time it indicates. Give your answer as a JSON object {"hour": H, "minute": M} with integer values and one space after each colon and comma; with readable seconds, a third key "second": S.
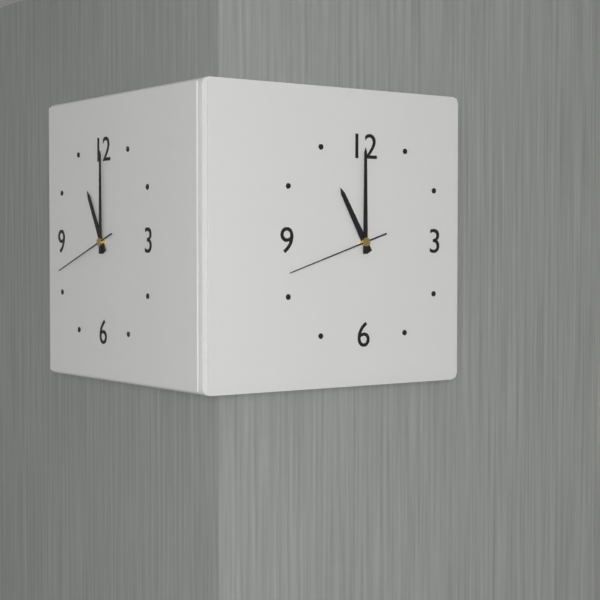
{"hour": 11, "minute": 0, "second": 42}
